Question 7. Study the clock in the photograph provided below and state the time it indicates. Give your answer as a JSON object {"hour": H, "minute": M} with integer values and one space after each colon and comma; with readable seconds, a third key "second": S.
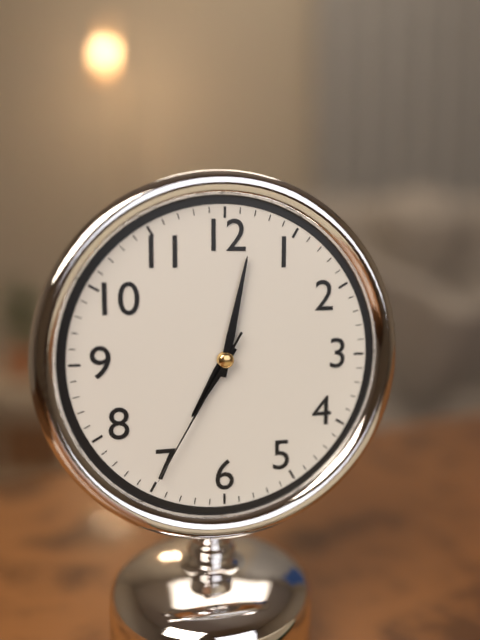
{"hour": 7, "minute": 2, "second": 35}
